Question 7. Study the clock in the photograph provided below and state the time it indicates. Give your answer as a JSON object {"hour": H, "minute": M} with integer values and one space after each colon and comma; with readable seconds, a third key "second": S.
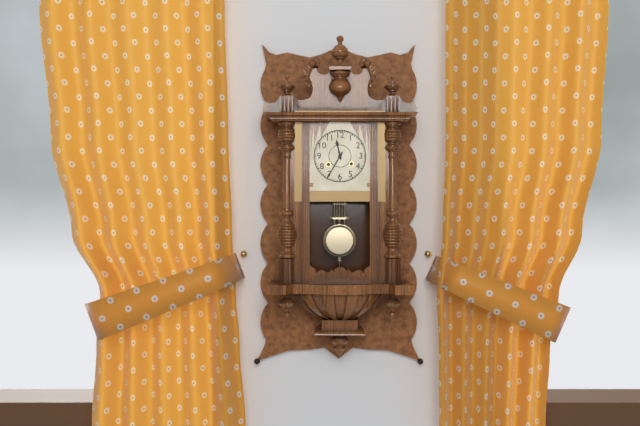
{"hour": 11, "minute": 35}
